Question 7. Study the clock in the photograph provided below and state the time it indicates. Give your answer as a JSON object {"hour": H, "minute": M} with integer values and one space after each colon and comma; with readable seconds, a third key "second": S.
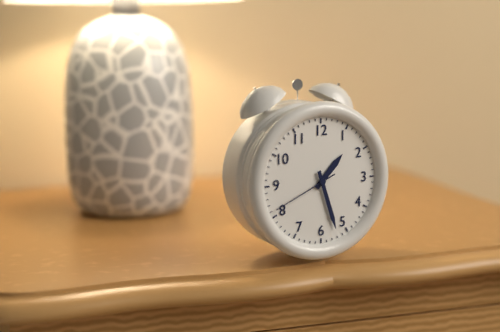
{"hour": 1, "minute": 27, "second": 41}
